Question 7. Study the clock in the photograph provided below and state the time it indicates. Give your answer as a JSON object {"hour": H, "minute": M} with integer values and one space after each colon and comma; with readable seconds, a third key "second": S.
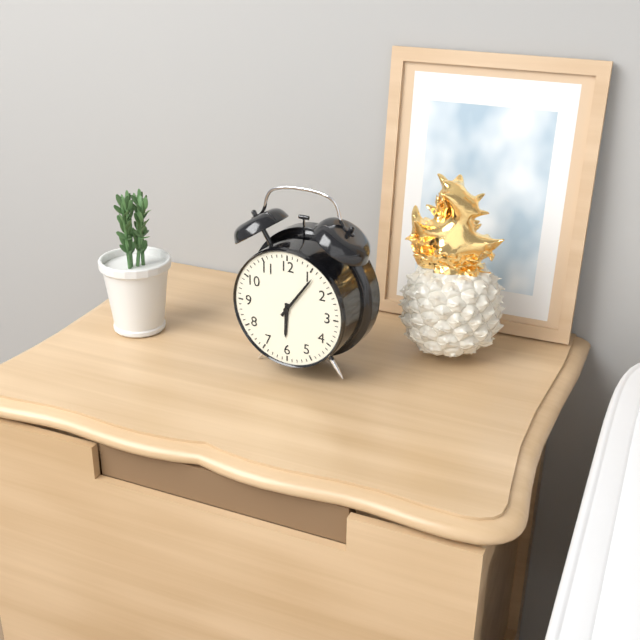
{"hour": 6, "minute": 6}
